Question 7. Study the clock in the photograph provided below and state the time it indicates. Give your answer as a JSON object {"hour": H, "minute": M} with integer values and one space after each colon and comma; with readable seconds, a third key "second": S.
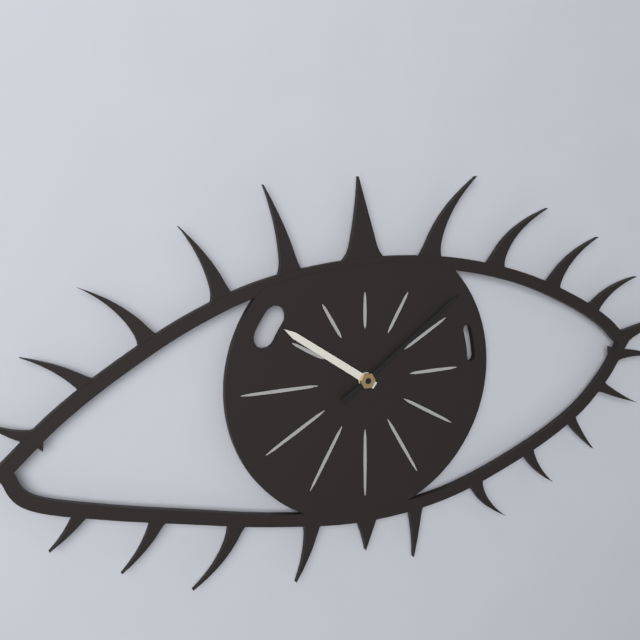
{"hour": 10, "minute": 9}
